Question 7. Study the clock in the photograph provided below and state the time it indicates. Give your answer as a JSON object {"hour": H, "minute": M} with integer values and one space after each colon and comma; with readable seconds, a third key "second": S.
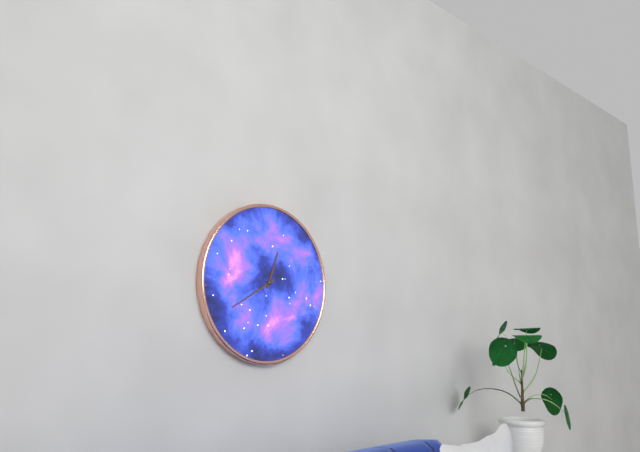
{"hour": 12, "minute": 40}
